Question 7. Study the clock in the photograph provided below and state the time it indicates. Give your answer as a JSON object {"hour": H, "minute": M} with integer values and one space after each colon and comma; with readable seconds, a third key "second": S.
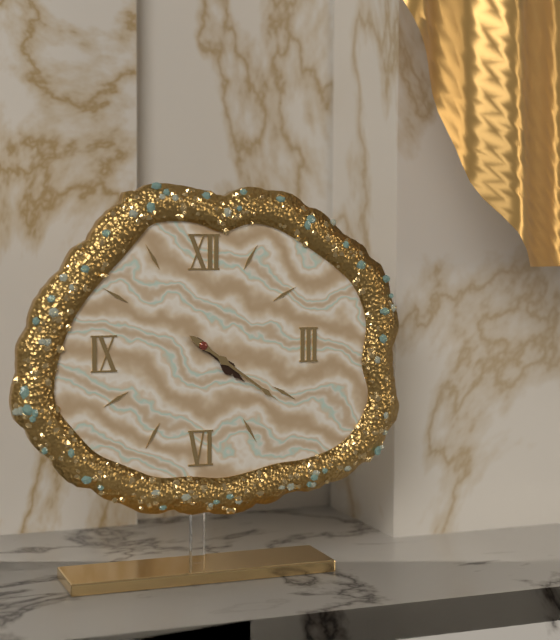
{"hour": 4, "minute": 21}
